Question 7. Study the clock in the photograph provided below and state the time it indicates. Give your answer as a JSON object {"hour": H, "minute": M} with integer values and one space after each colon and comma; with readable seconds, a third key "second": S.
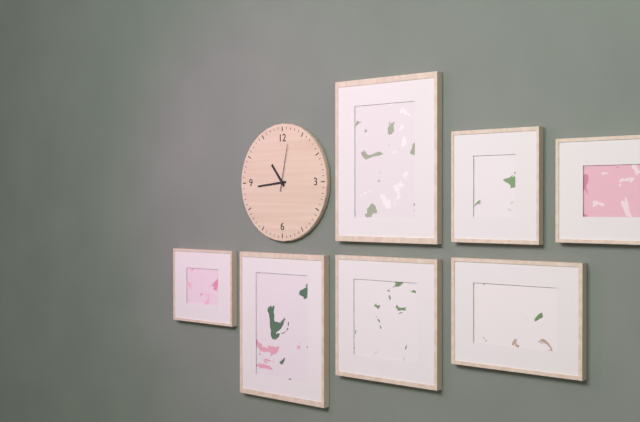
{"hour": 10, "minute": 44}
